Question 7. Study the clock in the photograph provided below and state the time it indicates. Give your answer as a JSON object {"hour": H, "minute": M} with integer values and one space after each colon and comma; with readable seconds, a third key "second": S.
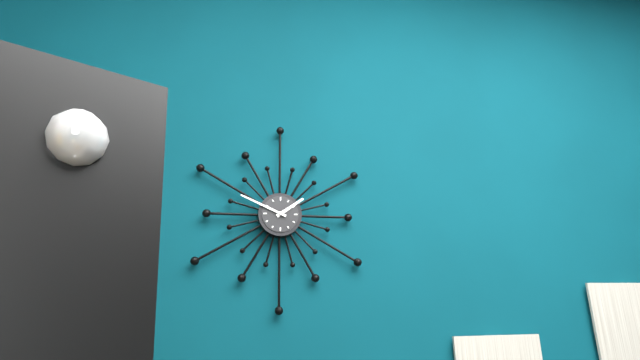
{"hour": 1, "minute": 49}
